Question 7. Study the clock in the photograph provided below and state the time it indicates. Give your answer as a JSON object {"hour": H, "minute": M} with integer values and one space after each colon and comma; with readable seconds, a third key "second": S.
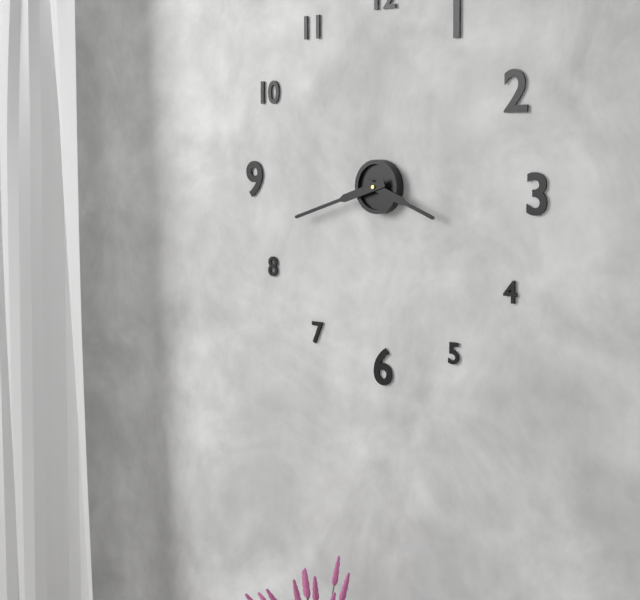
{"hour": 3, "minute": 42}
